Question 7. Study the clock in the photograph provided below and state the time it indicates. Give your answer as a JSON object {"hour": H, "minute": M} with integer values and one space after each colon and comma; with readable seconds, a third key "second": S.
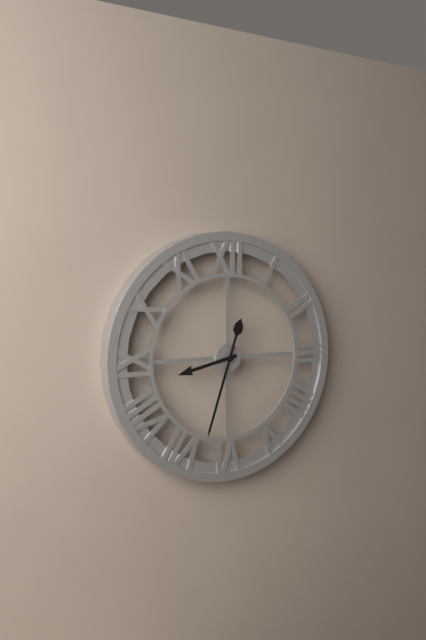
{"hour": 8, "minute": 33}
